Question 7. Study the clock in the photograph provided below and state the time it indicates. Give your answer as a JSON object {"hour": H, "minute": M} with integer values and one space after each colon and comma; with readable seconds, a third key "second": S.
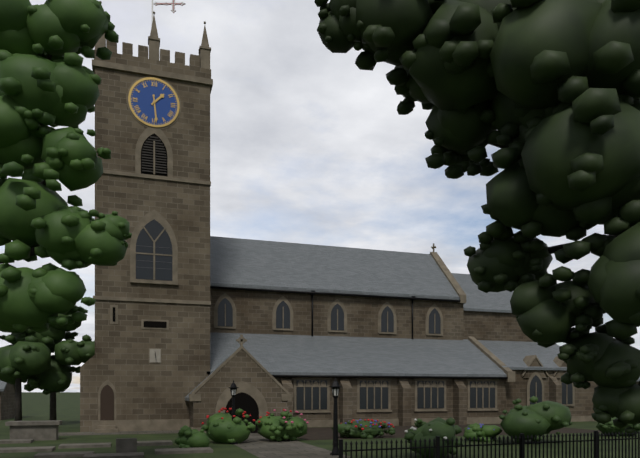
{"hour": 1, "minute": 29}
